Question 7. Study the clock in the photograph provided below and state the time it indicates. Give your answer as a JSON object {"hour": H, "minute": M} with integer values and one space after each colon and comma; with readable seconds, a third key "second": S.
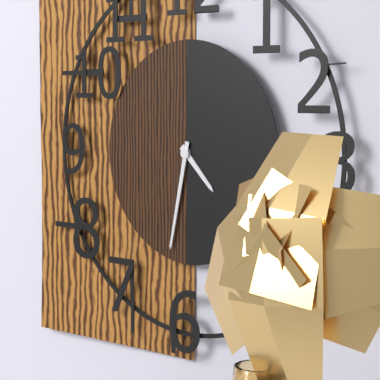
{"hour": 4, "minute": 32}
